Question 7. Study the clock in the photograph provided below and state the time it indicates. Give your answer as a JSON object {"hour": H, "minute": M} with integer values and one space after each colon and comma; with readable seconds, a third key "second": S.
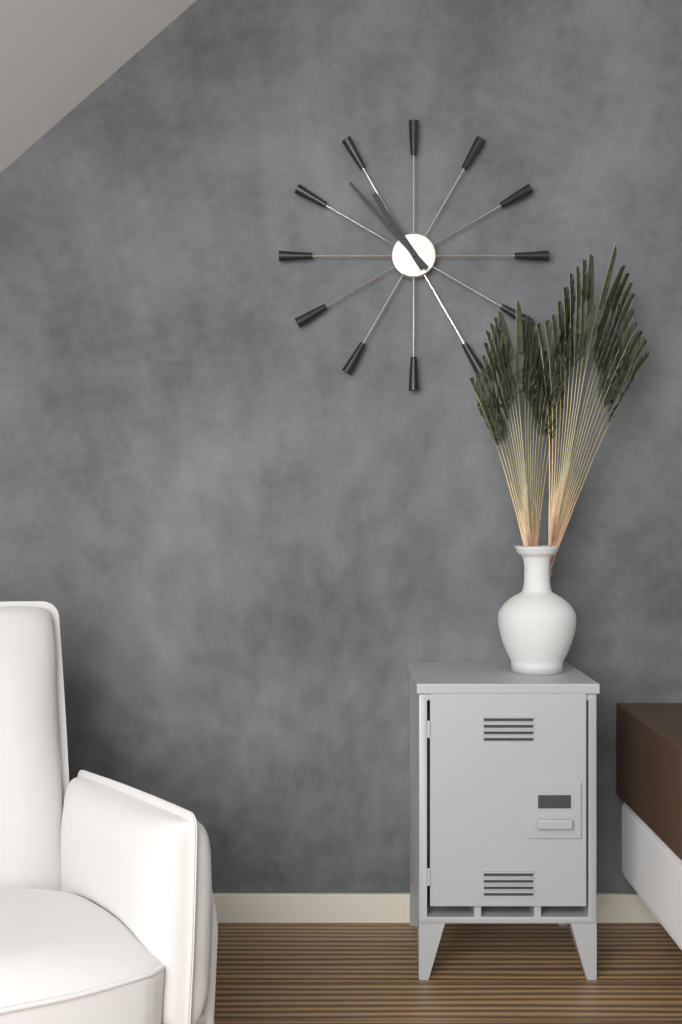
{"hour": 10, "minute": 53}
